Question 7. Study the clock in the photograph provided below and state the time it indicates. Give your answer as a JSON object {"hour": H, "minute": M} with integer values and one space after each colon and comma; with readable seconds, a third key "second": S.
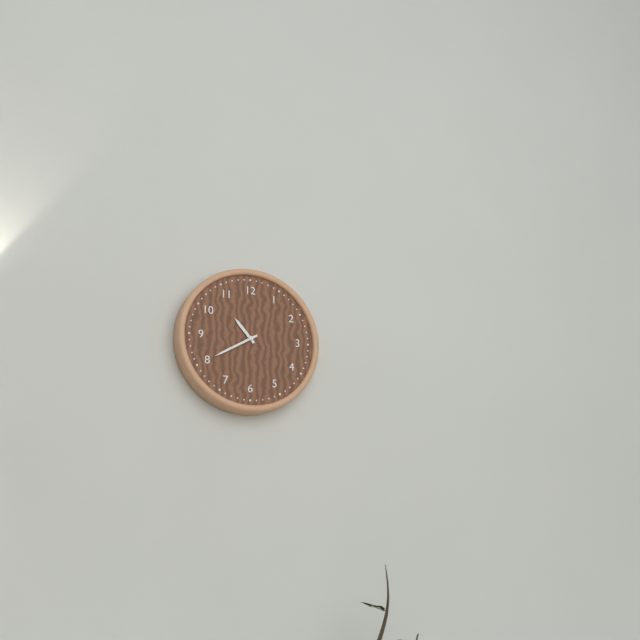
{"hour": 10, "minute": 40}
